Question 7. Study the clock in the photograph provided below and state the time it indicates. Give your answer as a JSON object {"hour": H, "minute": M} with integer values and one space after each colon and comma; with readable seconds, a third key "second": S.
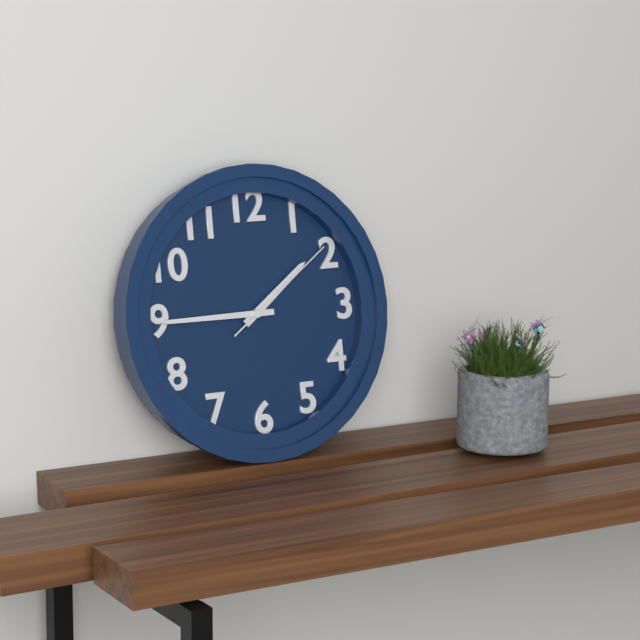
{"hour": 1, "minute": 45, "second": 9}
